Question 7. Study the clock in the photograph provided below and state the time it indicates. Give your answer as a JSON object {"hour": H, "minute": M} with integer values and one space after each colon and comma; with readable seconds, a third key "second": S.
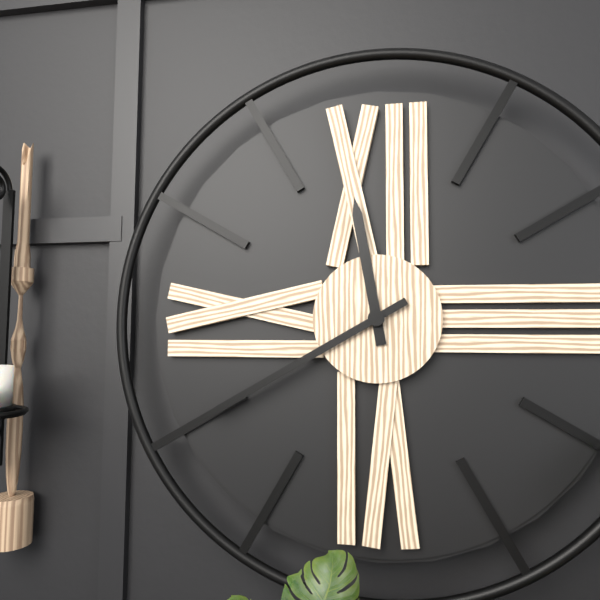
{"hour": 11, "minute": 40}
